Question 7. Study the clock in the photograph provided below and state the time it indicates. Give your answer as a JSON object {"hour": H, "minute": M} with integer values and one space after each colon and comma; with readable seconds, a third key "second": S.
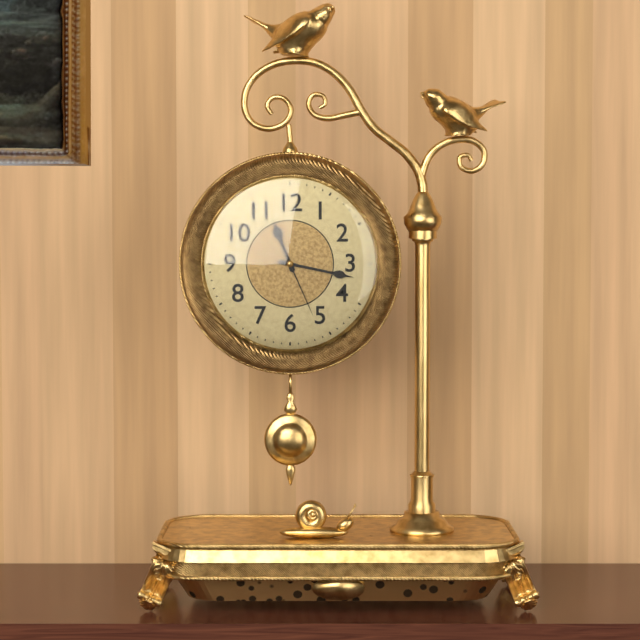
{"hour": 11, "minute": 17, "second": 26}
